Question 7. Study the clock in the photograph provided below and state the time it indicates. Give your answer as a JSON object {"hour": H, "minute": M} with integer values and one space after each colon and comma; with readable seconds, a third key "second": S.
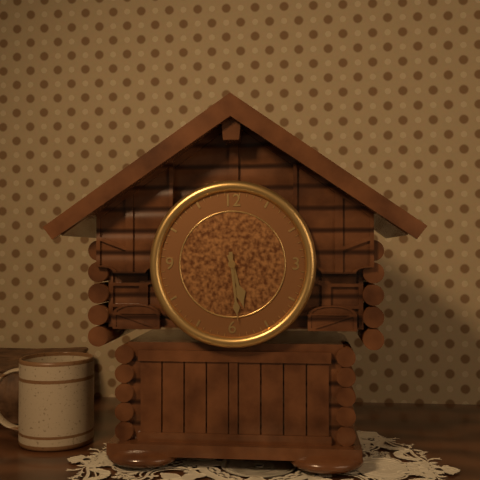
{"hour": 5, "minute": 29}
